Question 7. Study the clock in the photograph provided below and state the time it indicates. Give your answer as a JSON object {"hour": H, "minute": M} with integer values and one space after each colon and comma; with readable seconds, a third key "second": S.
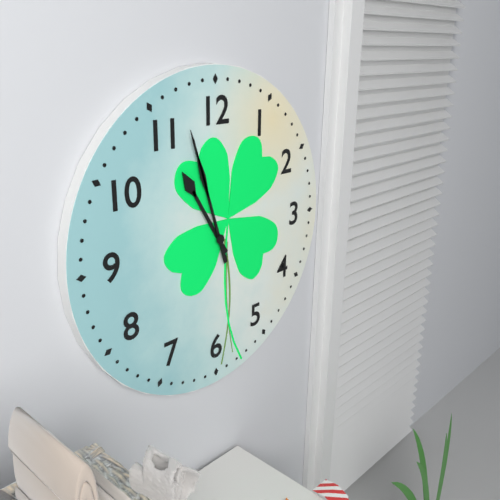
{"hour": 10, "minute": 57}
